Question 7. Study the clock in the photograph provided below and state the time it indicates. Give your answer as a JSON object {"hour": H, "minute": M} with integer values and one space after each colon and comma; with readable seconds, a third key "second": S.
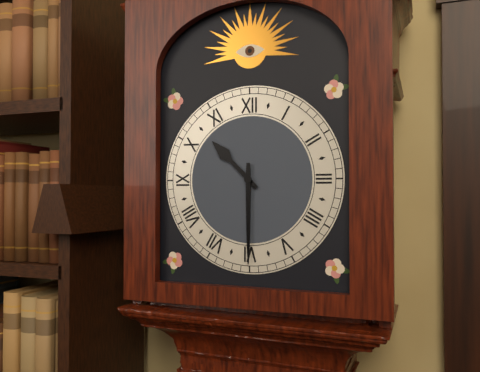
{"hour": 10, "minute": 30}
